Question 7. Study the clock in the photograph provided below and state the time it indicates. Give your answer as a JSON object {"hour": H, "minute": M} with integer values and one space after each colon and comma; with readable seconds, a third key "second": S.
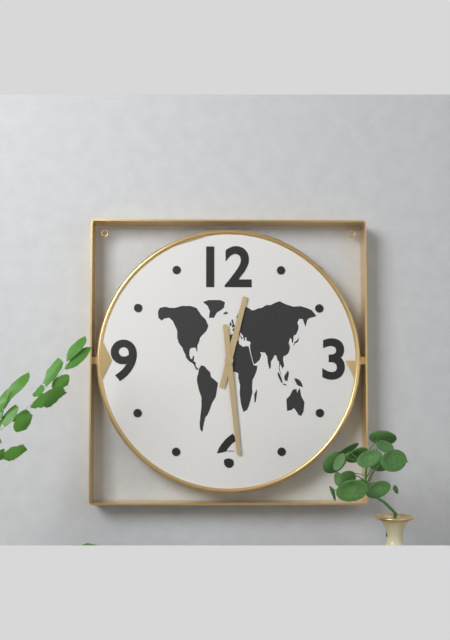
{"hour": 12, "minute": 29}
